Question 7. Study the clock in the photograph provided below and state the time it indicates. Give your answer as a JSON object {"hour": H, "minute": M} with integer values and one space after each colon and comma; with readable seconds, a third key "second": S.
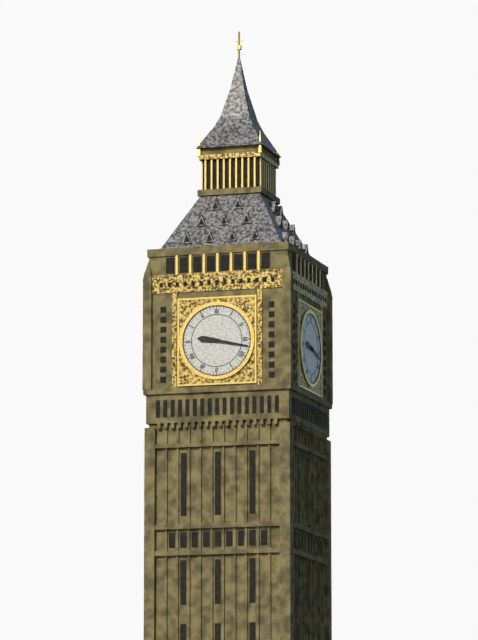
{"hour": 9, "minute": 17}
